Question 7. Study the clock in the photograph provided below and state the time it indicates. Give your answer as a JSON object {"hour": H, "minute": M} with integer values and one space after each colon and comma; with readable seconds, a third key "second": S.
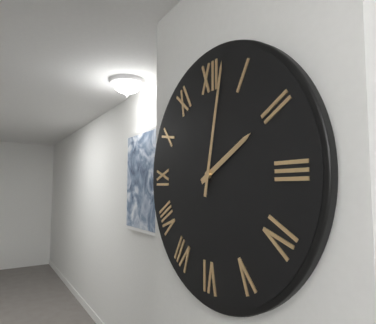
{"hour": 2, "minute": 2}
